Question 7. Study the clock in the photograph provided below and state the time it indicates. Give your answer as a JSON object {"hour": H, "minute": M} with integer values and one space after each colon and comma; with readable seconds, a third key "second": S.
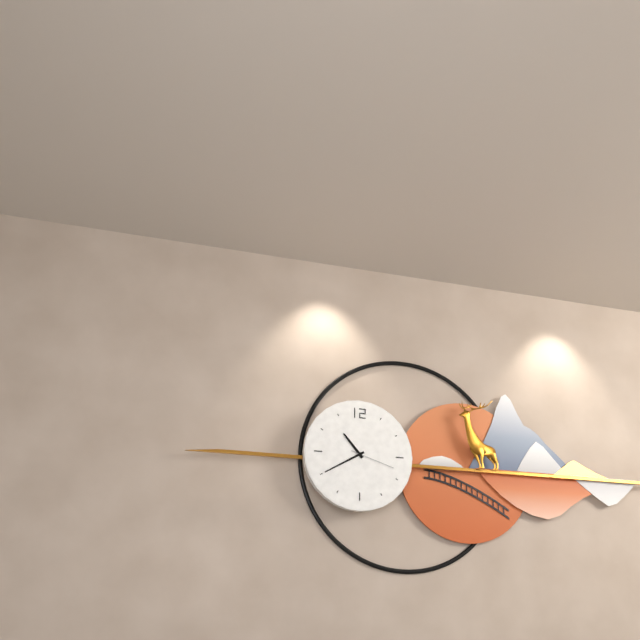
{"hour": 10, "minute": 40}
